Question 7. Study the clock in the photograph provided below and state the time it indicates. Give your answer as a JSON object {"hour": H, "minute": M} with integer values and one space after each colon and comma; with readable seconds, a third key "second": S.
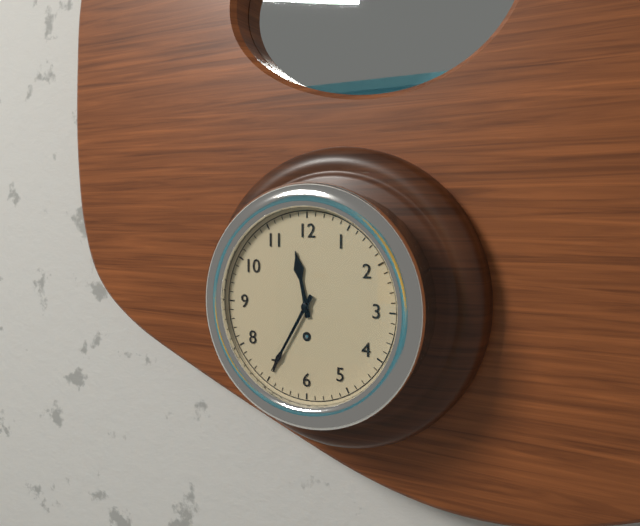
{"hour": 11, "minute": 35}
